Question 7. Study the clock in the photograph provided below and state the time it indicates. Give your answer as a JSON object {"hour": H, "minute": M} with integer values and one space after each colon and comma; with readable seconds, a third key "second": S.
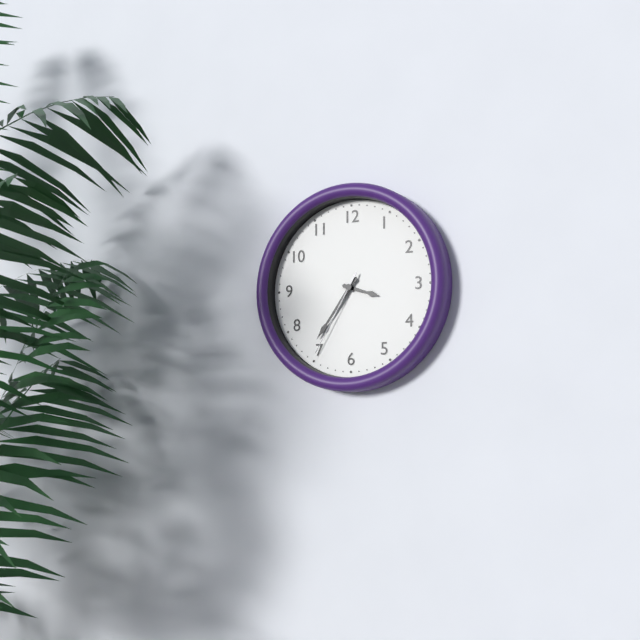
{"hour": 3, "minute": 36, "second": 35}
